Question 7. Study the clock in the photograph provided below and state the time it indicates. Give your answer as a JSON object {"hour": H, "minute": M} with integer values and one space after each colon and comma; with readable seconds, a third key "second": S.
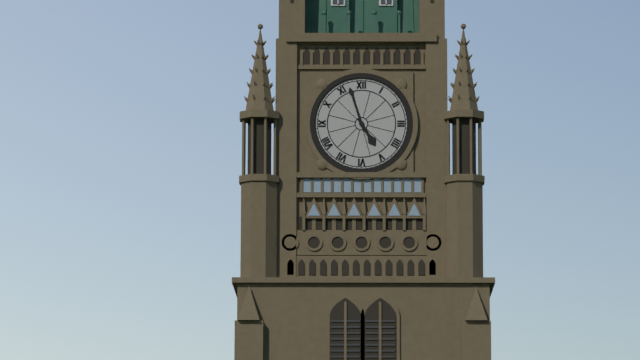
{"hour": 4, "minute": 57}
